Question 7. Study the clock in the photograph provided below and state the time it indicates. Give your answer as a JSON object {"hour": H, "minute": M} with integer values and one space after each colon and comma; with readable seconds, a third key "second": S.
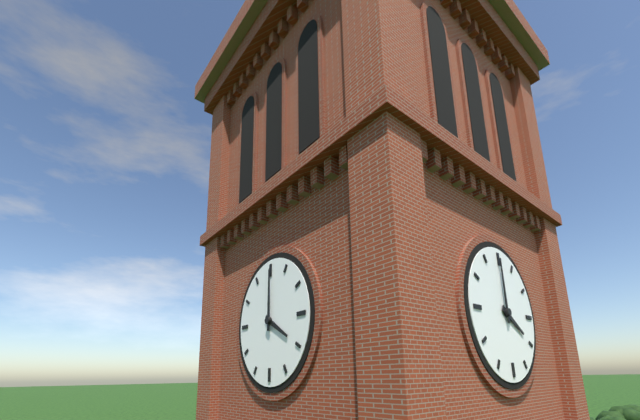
{"hour": 4, "minute": 0}
